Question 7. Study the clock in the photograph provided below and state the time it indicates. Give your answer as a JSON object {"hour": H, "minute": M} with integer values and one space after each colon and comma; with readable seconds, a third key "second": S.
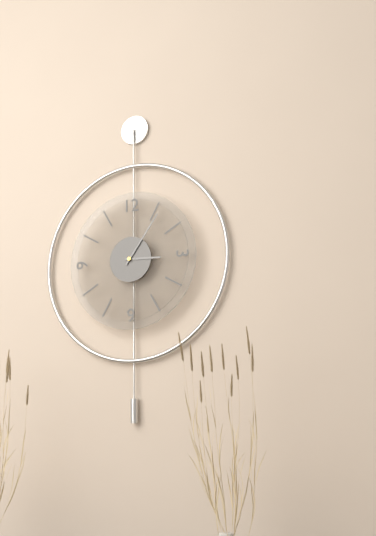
{"hour": 3, "minute": 6}
